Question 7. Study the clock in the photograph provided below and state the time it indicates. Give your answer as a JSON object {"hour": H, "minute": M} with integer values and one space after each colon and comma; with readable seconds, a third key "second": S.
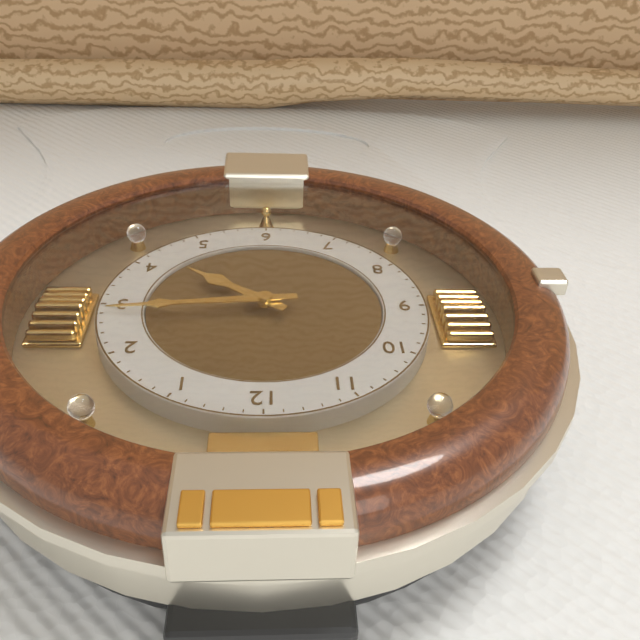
{"hour": 4, "minute": 14}
